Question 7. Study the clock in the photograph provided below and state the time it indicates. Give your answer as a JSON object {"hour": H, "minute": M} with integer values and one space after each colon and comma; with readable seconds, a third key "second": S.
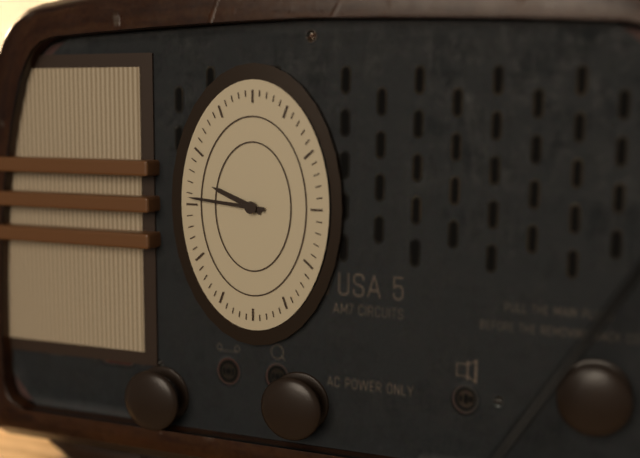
{"hour": 9, "minute": 46}
